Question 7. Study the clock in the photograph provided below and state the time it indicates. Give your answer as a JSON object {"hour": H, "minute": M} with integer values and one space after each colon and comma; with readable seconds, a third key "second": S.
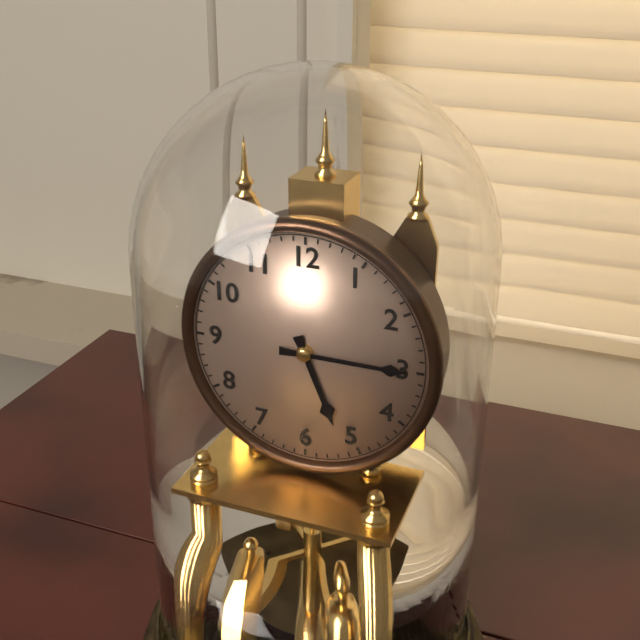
{"hour": 5, "minute": 15}
